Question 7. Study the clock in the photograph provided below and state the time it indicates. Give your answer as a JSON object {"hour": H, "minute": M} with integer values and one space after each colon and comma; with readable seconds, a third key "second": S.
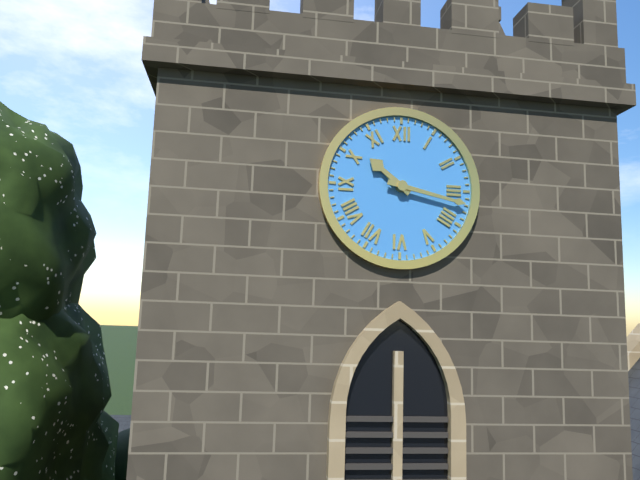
{"hour": 10, "minute": 17}
